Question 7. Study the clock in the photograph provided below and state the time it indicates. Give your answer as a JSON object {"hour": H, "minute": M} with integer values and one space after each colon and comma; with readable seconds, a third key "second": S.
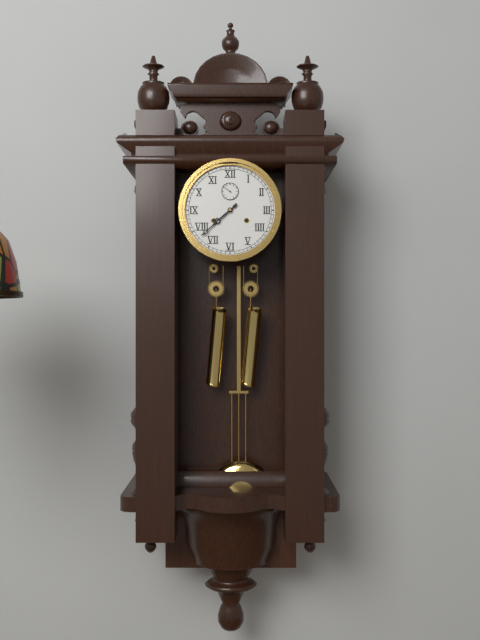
{"hour": 7, "minute": 38}
